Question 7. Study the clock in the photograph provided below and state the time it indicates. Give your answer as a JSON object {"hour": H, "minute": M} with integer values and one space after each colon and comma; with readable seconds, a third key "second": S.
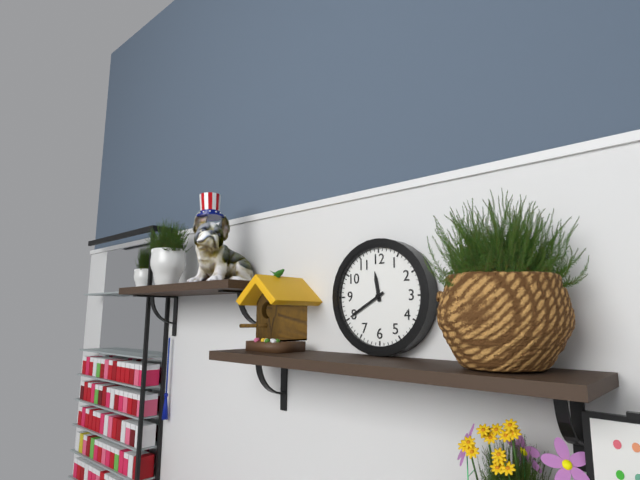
{"hour": 11, "minute": 40}
